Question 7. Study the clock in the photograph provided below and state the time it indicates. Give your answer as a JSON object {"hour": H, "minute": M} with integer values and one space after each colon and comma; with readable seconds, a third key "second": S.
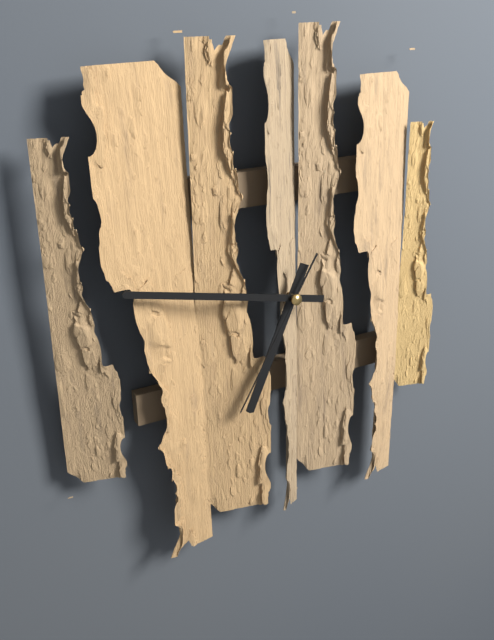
{"hour": 6, "minute": 47, "second": 35}
